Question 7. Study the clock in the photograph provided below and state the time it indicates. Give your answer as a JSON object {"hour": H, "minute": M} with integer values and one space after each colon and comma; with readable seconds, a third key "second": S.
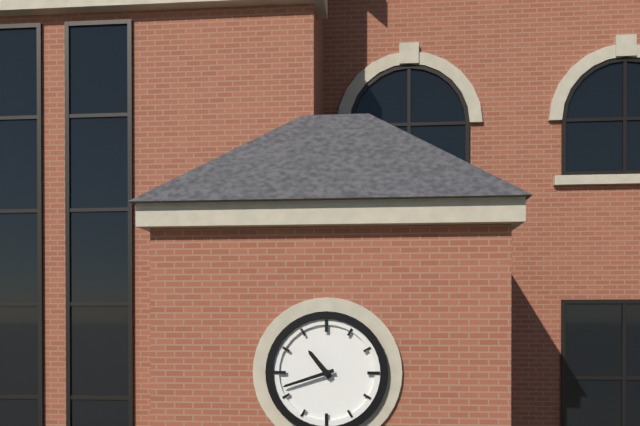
{"hour": 10, "minute": 42}
